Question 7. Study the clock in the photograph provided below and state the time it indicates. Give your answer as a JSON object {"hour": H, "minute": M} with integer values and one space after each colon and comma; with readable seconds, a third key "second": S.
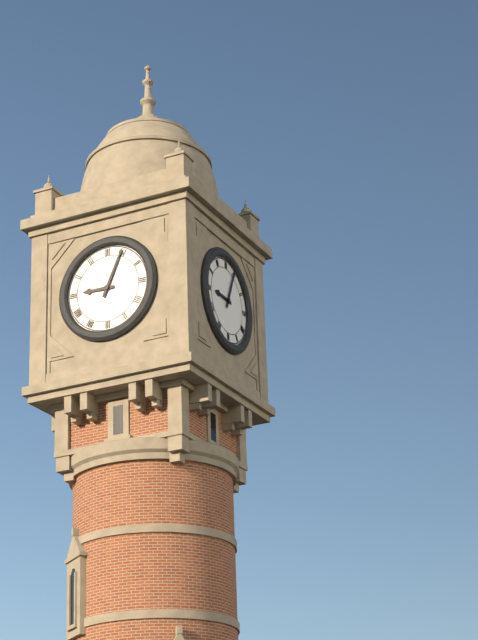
{"hour": 9, "minute": 4}
